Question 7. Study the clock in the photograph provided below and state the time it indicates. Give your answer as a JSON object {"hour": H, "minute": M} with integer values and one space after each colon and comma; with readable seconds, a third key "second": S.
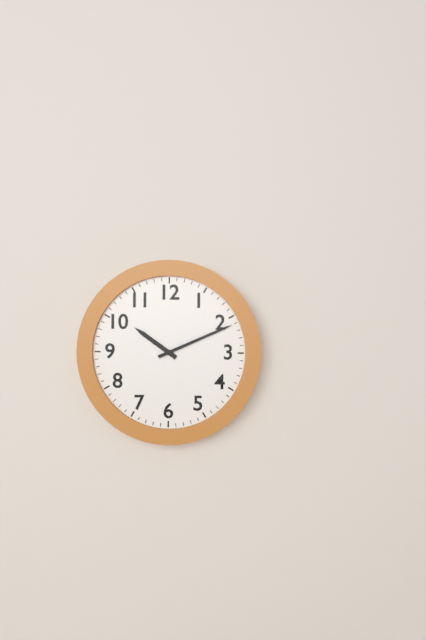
{"hour": 10, "minute": 11}
